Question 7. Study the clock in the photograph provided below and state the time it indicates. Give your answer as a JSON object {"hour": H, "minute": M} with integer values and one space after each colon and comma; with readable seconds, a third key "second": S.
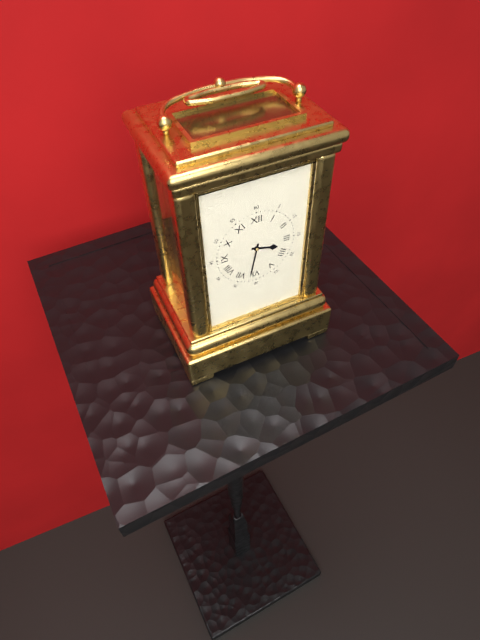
{"hour": 3, "minute": 32}
